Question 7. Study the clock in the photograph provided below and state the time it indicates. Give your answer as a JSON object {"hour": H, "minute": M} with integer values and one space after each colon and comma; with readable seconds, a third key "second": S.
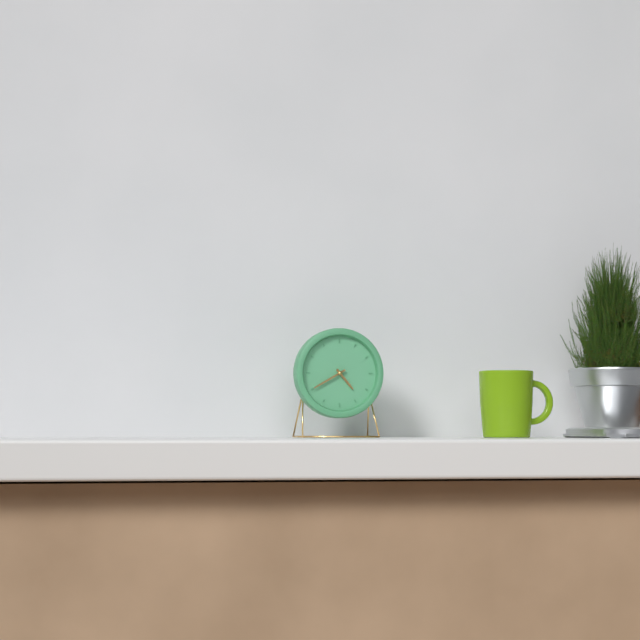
{"hour": 4, "minute": 40}
